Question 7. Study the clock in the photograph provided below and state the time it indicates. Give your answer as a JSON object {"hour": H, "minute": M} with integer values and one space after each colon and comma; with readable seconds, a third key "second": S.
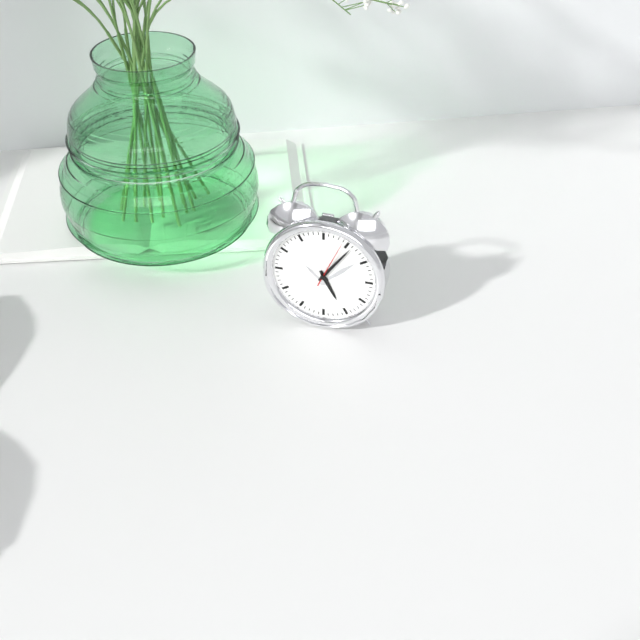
{"hour": 5, "minute": 6}
